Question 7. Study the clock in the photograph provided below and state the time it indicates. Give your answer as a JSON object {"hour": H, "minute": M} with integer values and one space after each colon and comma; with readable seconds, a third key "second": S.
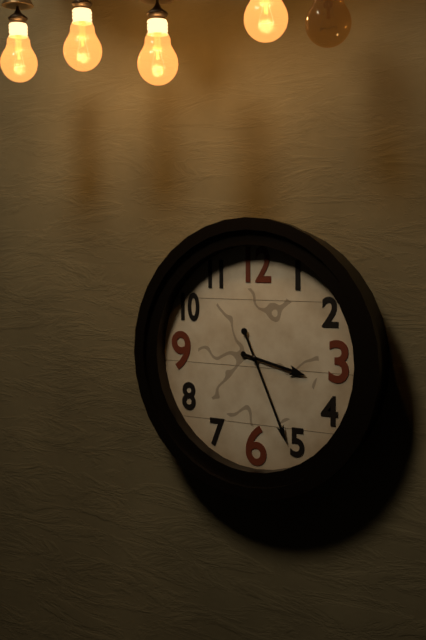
{"hour": 3, "minute": 26}
